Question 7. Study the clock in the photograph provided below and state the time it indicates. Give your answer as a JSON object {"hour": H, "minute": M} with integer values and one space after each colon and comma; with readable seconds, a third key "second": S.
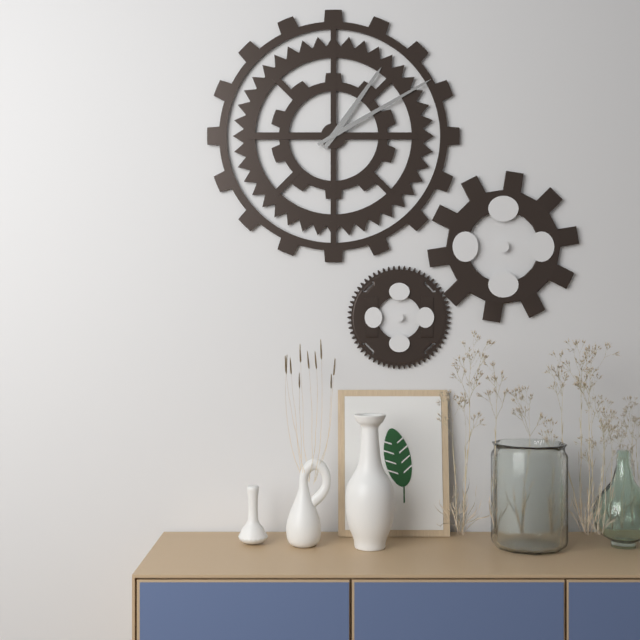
{"hour": 1, "minute": 10}
